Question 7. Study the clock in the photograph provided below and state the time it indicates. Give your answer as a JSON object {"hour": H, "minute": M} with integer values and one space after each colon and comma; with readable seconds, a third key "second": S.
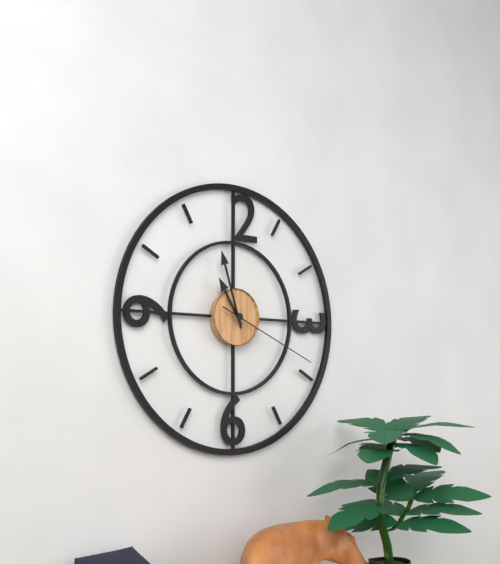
{"hour": 10, "minute": 57, "second": 19}
